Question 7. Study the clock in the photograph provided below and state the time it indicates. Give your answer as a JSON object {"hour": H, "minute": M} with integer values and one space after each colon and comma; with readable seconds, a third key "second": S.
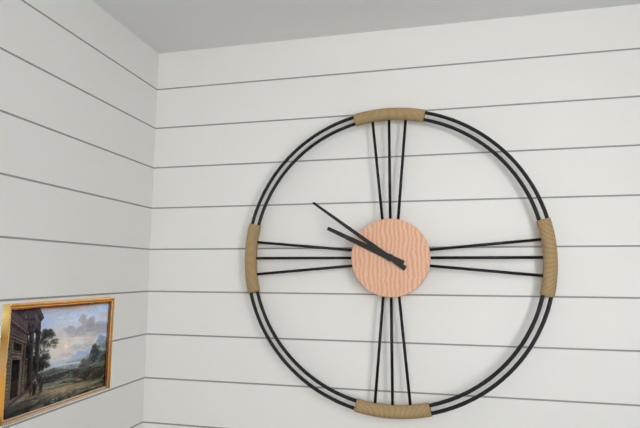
{"hour": 9, "minute": 51}
